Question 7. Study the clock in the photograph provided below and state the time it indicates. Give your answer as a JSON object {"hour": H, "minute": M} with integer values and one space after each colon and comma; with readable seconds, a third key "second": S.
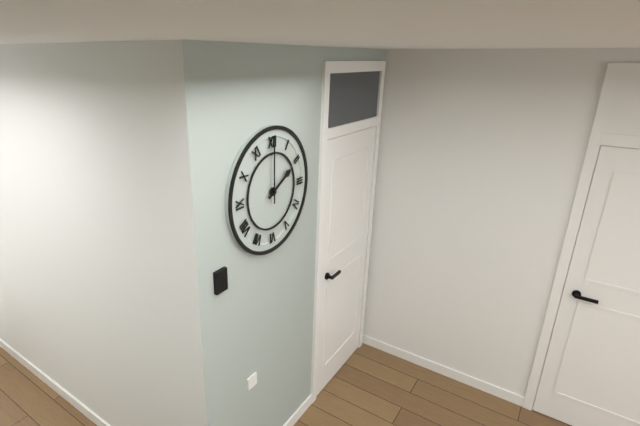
{"hour": 2, "minute": 0}
